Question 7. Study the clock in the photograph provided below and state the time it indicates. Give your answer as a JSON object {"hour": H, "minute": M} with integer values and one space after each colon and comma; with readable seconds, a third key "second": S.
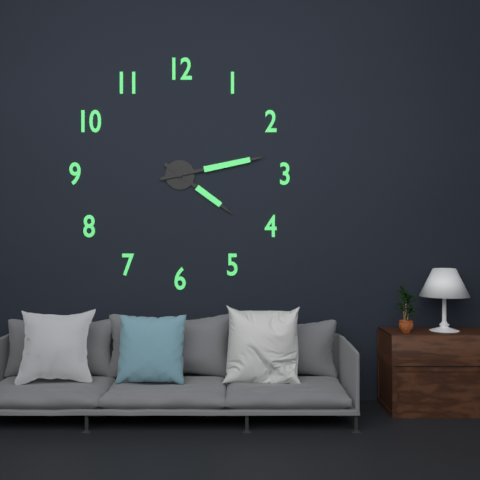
{"hour": 4, "minute": 13}
